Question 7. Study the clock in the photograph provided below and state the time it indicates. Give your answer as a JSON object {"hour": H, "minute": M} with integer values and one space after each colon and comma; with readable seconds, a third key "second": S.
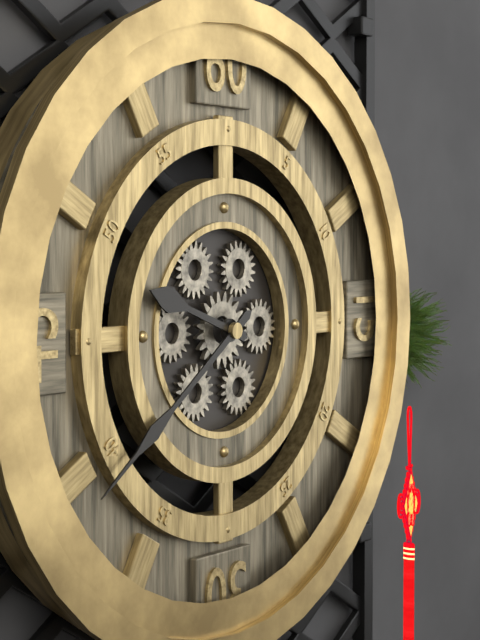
{"hour": 9, "minute": 39}
